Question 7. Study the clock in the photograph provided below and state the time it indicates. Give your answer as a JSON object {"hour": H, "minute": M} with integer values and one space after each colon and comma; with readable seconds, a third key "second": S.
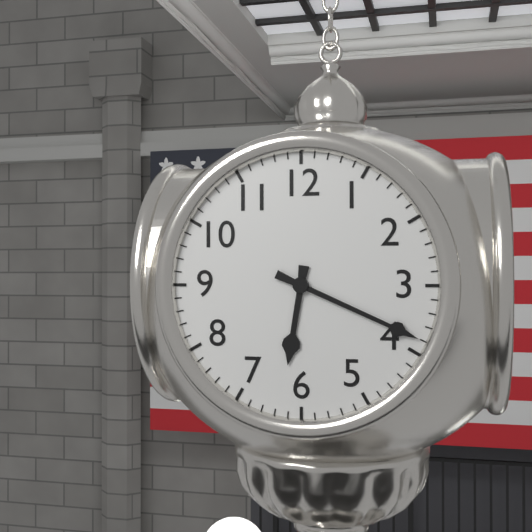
{"hour": 6, "minute": 19}
